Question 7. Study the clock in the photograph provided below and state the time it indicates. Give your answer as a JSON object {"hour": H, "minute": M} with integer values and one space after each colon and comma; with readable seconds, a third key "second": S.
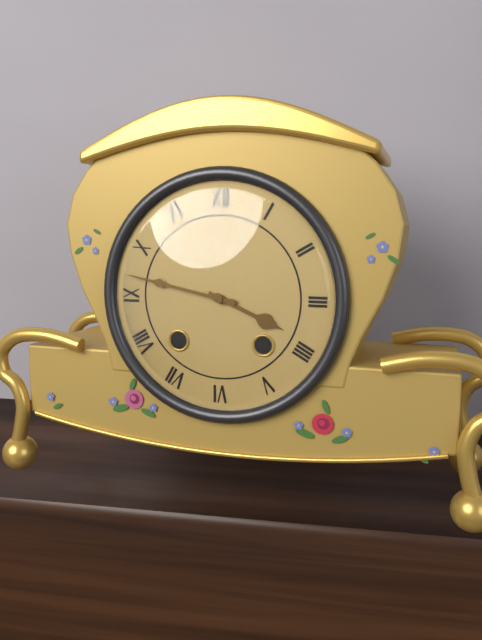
{"hour": 3, "minute": 47}
